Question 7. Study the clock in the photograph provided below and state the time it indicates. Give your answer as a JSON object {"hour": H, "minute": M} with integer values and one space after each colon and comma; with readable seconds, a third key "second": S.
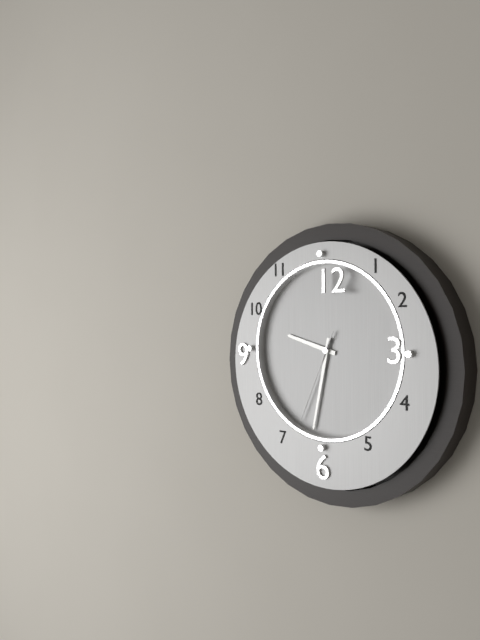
{"hour": 9, "minute": 32, "second": 34}
